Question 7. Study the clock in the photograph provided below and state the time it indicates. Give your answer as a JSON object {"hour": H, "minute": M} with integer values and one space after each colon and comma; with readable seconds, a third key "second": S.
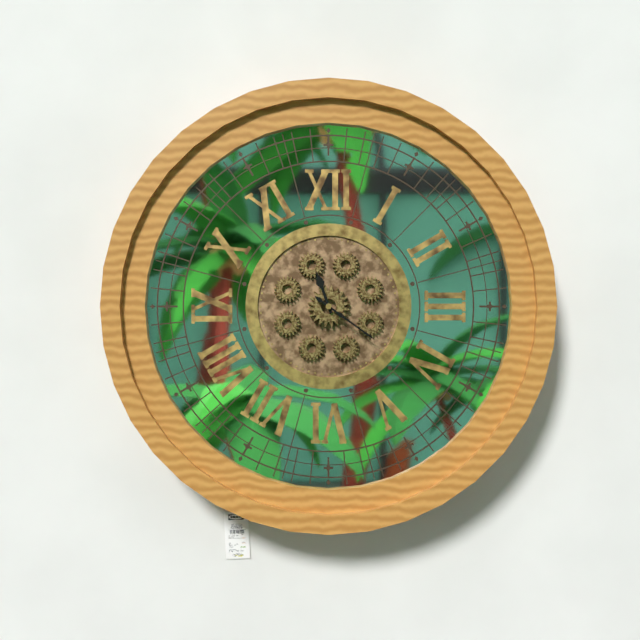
{"hour": 11, "minute": 21}
